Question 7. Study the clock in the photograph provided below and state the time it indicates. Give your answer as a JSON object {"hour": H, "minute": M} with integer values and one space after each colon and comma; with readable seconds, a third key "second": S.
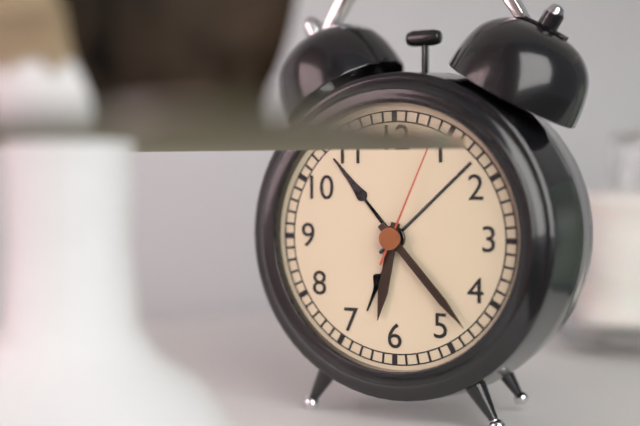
{"hour": 6, "minute": 23, "second": 4}
